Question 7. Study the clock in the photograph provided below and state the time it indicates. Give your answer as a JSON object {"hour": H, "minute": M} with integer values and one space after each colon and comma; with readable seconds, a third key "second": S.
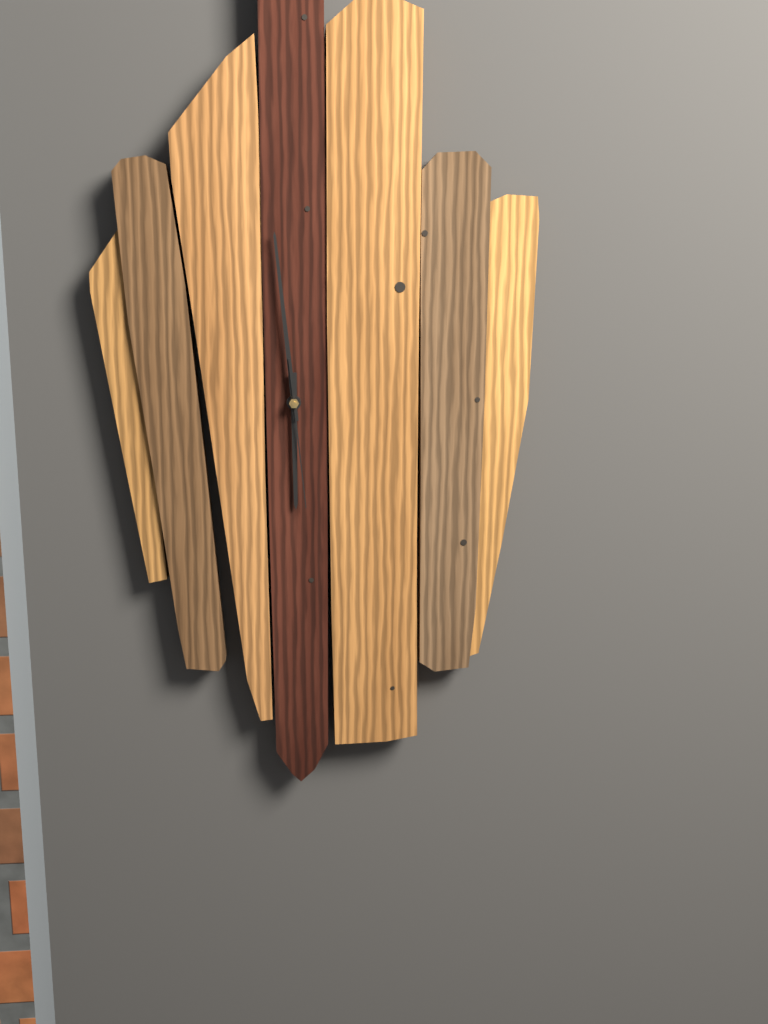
{"hour": 5, "minute": 59, "second": 29}
